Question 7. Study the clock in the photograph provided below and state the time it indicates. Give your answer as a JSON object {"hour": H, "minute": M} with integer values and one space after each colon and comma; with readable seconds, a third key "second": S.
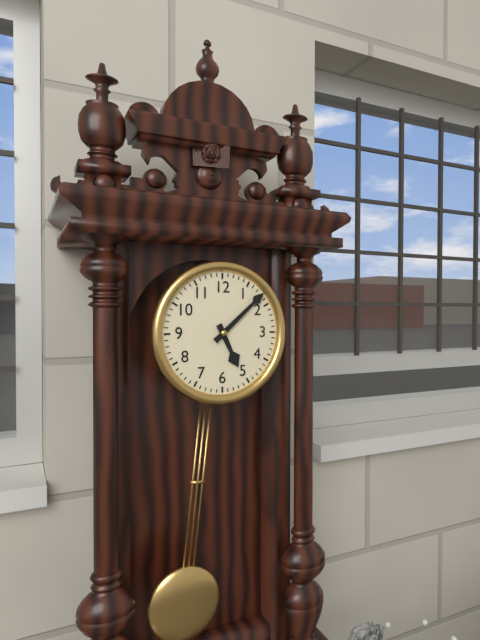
{"hour": 5, "minute": 8}
